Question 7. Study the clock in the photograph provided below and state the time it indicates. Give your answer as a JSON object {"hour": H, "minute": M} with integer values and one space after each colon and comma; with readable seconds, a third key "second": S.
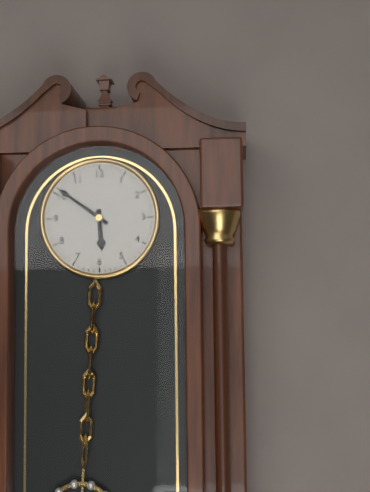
{"hour": 5, "minute": 51}
